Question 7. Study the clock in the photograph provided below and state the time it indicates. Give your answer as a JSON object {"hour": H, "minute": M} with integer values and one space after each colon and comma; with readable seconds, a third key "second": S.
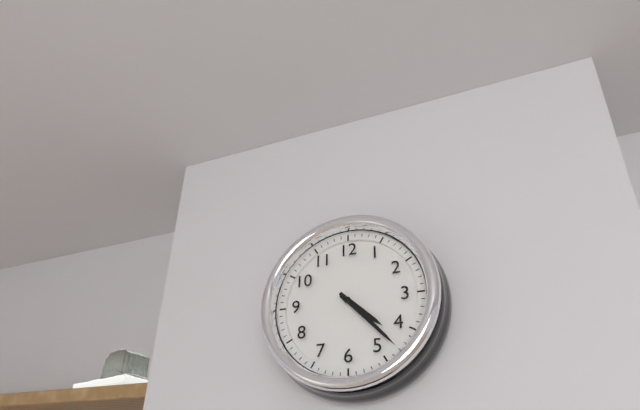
{"hour": 4, "minute": 23}
